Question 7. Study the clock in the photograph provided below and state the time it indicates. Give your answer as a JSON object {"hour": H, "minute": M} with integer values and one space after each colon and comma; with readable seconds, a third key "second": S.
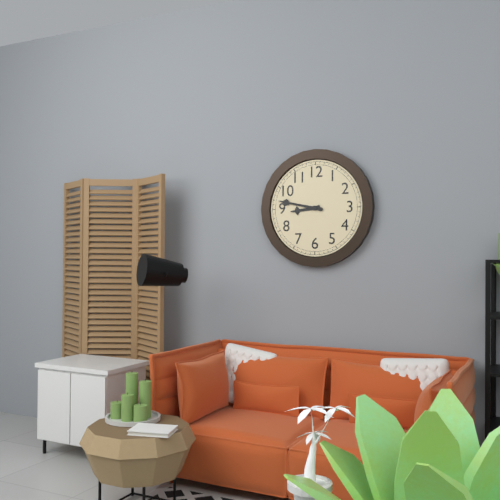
{"hour": 8, "minute": 47}
